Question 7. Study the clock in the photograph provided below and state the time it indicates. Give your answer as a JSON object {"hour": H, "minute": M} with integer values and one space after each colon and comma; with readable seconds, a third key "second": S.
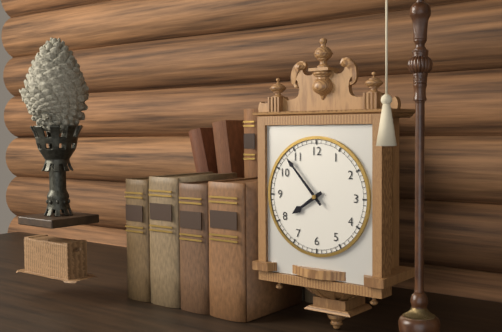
{"hour": 7, "minute": 53}
